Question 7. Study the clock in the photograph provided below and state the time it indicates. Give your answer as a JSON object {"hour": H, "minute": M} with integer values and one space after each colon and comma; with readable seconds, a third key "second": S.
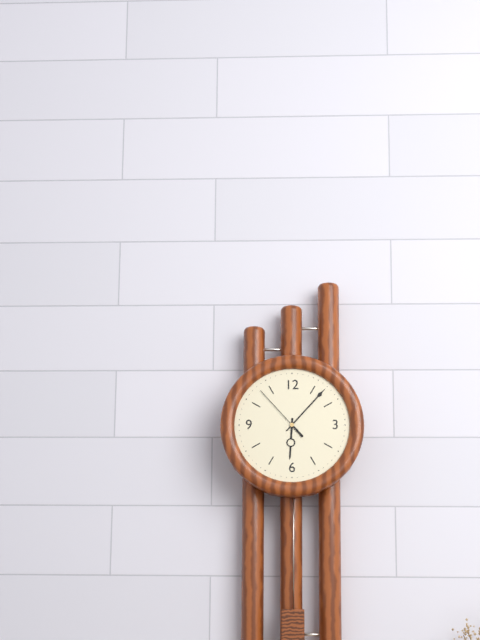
{"hour": 6, "minute": 7, "second": 53}
